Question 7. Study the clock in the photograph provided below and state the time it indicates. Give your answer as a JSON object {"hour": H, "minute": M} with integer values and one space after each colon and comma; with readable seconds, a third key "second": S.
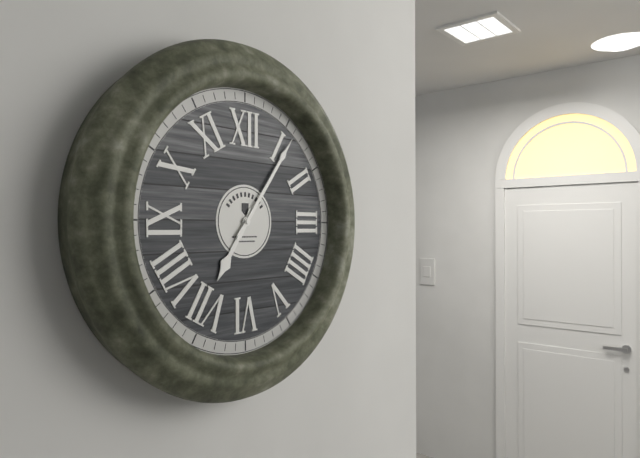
{"hour": 7, "minute": 6}
